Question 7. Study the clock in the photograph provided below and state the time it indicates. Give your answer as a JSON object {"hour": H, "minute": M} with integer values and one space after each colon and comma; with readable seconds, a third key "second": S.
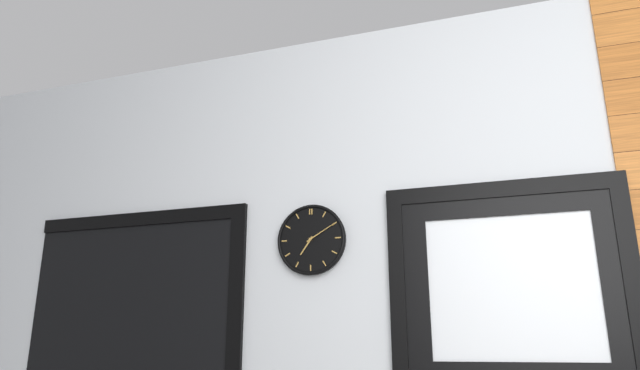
{"hour": 7, "minute": 10}
